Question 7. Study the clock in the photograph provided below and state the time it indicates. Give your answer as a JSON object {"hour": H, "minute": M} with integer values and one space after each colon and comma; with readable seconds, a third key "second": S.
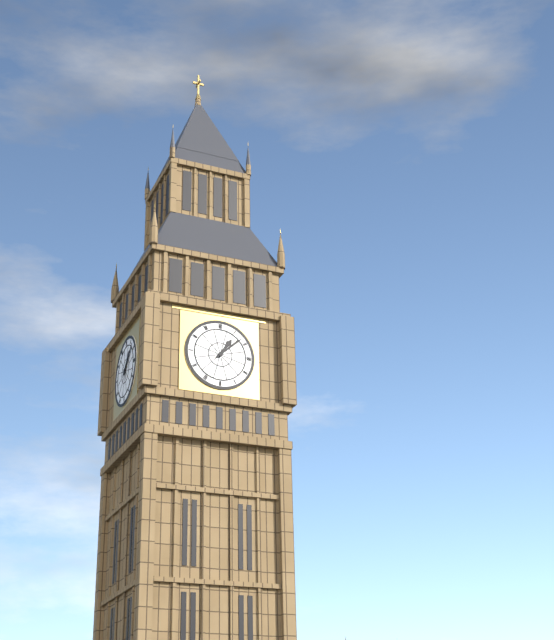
{"hour": 1, "minute": 8}
